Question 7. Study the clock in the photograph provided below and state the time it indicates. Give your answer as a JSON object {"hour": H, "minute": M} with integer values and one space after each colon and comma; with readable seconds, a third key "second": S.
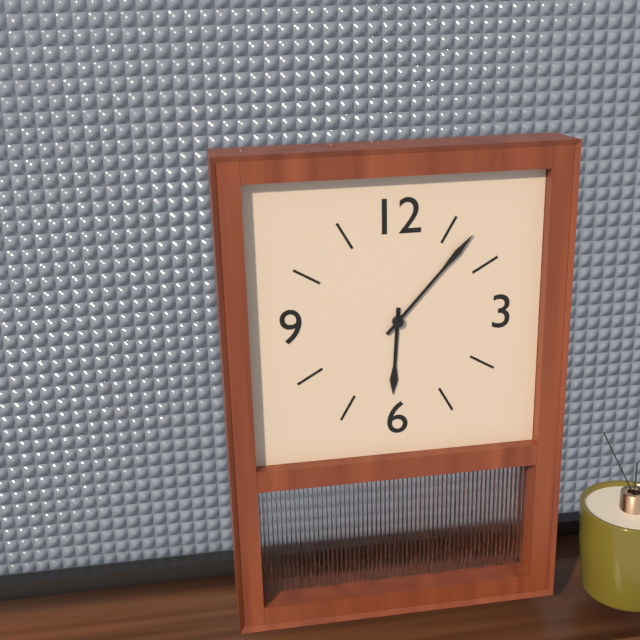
{"hour": 6, "minute": 7}
